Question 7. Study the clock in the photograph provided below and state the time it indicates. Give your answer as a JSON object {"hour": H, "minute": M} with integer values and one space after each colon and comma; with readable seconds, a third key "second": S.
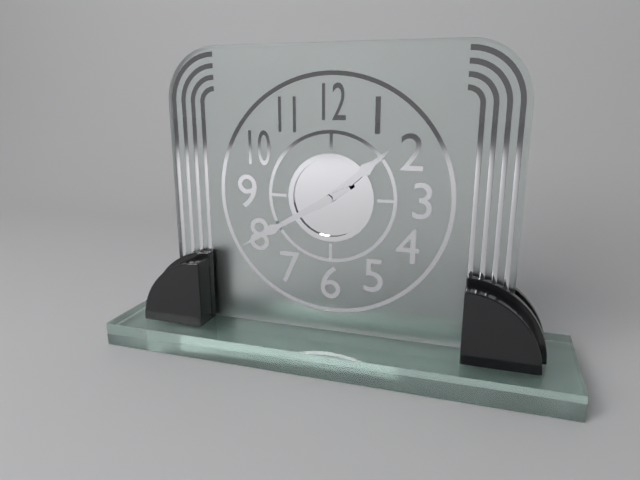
{"hour": 1, "minute": 40}
